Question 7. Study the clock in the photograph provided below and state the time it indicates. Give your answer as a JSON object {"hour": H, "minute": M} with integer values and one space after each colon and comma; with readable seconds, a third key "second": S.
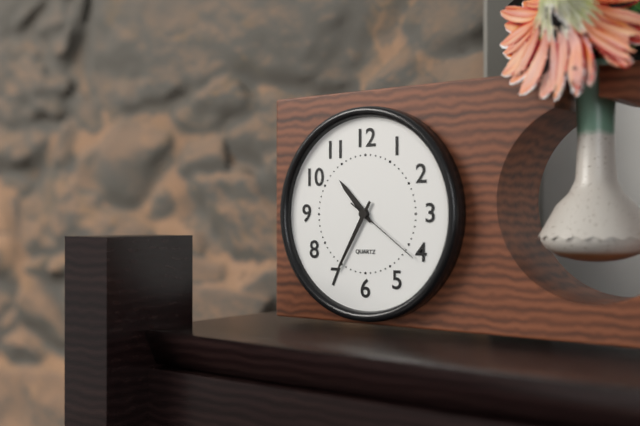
{"hour": 10, "minute": 35, "second": 21}
